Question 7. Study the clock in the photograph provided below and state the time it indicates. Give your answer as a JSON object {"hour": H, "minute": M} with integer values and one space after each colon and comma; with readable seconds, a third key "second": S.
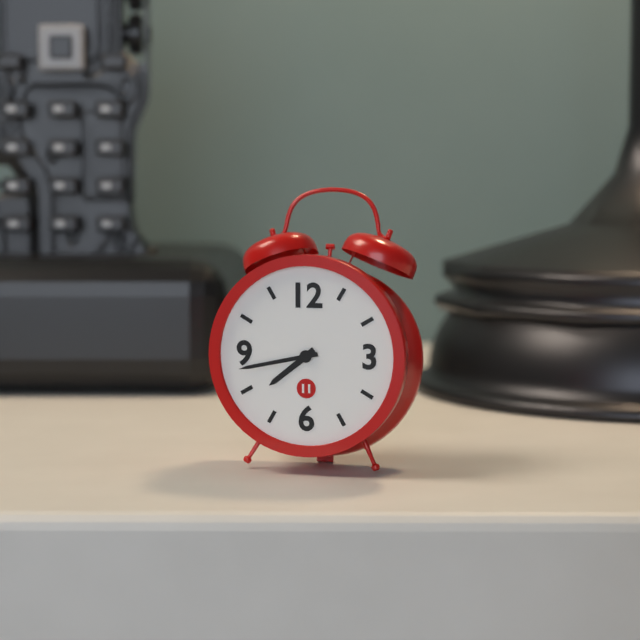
{"hour": 7, "minute": 43}
